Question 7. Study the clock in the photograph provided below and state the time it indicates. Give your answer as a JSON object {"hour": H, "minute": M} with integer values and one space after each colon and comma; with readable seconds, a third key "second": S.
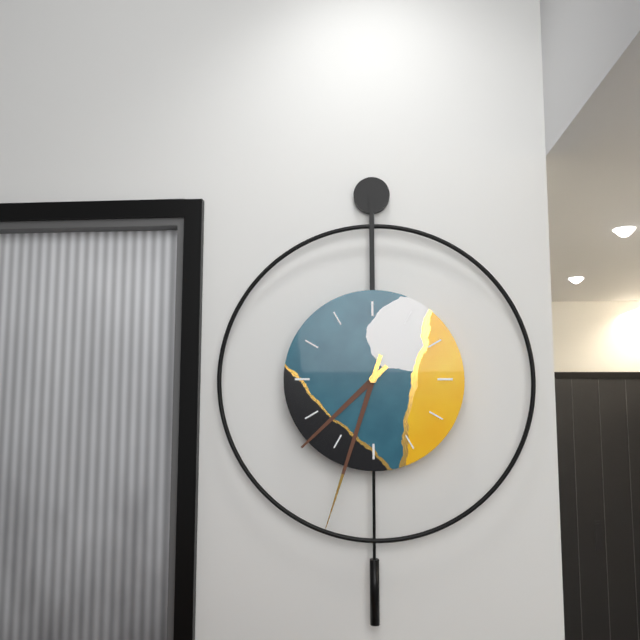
{"hour": 7, "minute": 33}
